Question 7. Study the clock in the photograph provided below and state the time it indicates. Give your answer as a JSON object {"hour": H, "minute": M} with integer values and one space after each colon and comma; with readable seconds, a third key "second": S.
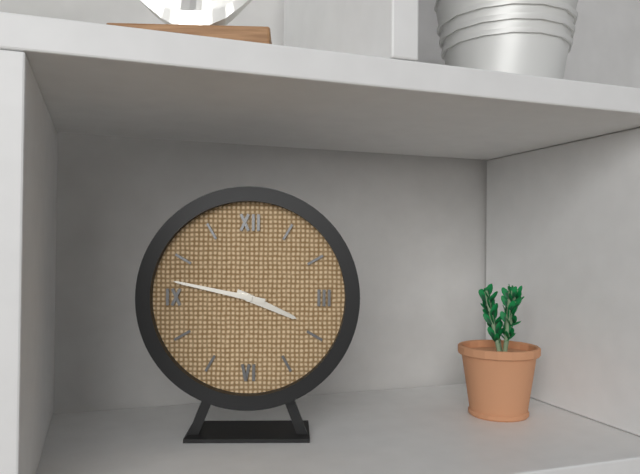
{"hour": 3, "minute": 47}
